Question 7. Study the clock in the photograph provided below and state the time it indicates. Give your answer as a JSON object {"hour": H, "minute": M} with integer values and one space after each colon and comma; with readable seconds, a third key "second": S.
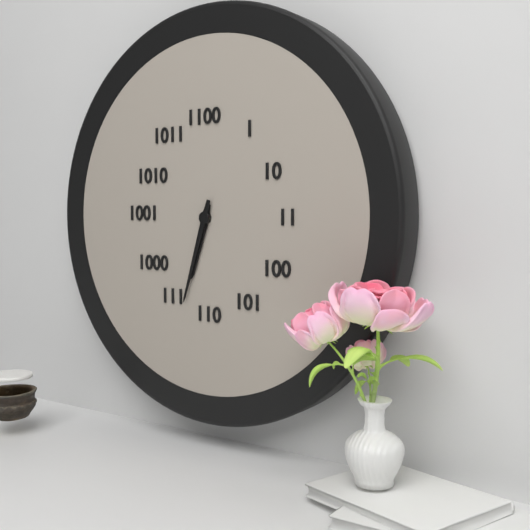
{"hour": 6, "minute": 33}
